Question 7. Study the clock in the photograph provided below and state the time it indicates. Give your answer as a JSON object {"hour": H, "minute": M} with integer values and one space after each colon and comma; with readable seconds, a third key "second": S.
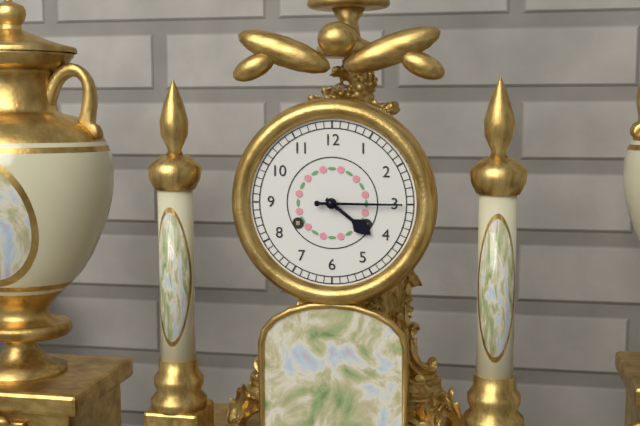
{"hour": 4, "minute": 15}
